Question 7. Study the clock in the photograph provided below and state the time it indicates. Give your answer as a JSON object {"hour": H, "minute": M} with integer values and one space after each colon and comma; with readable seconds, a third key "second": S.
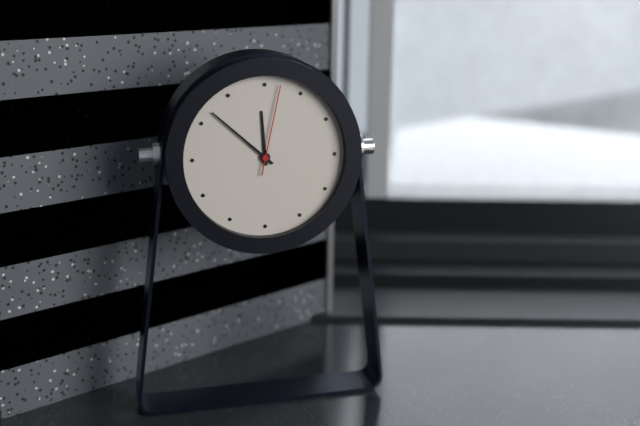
{"hour": 11, "minute": 52, "second": 2}
